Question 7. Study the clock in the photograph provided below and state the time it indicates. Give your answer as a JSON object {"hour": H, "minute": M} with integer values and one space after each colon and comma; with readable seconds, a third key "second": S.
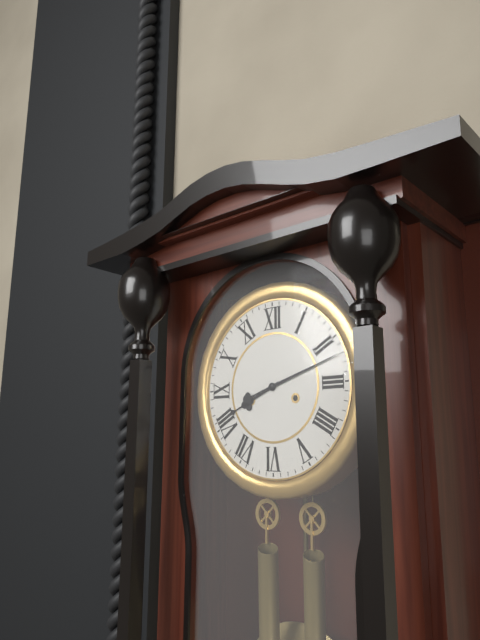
{"hour": 8, "minute": 12}
